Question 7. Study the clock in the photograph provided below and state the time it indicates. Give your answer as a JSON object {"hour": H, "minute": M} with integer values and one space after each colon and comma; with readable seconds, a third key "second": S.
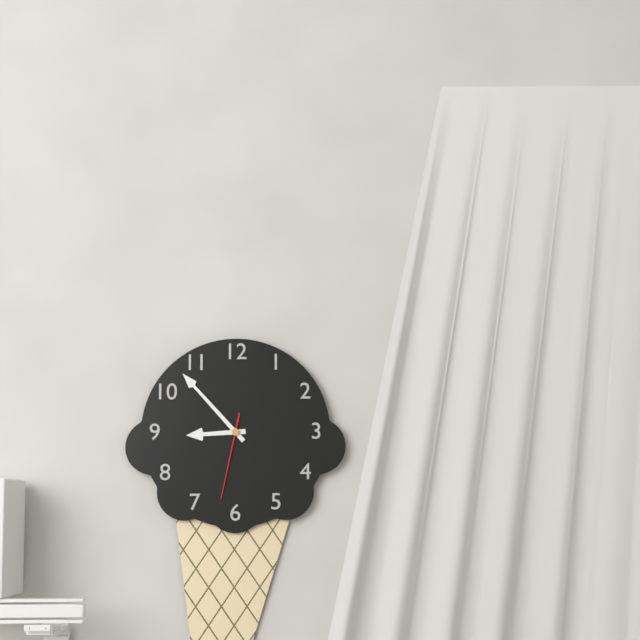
{"hour": 8, "minute": 53, "second": 32}
